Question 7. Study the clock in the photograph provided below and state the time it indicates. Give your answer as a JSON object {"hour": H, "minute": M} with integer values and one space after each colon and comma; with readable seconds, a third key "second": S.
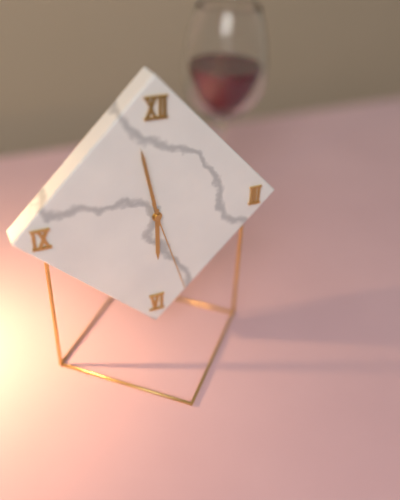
{"hour": 5, "minute": 58, "second": 27}
